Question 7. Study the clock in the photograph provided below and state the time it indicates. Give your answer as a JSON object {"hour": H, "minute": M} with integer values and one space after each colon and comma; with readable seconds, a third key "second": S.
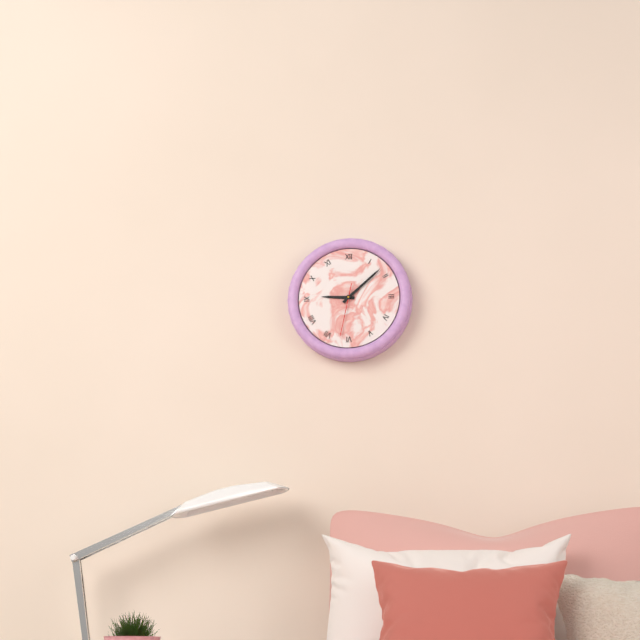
{"hour": 9, "minute": 8}
